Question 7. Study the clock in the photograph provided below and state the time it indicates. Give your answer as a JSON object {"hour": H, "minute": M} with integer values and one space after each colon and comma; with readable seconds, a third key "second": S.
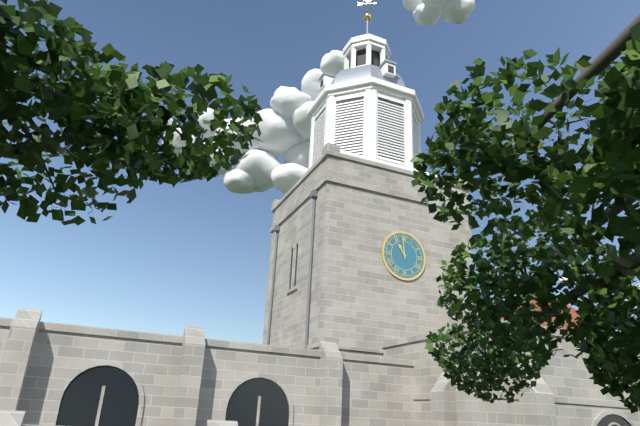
{"hour": 10, "minute": 59}
